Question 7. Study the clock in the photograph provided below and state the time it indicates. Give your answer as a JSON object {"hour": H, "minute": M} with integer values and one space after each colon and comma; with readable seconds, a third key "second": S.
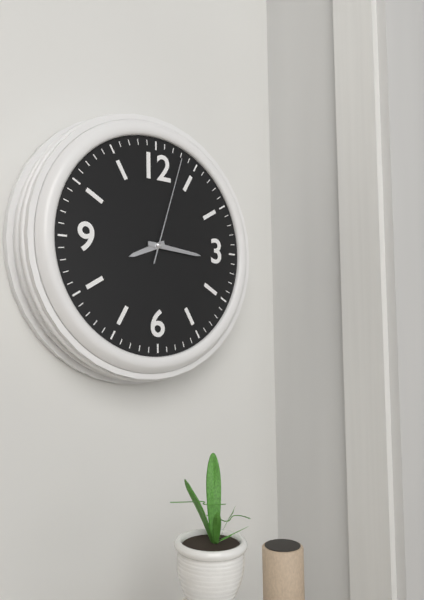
{"hour": 8, "minute": 16, "second": 3}
